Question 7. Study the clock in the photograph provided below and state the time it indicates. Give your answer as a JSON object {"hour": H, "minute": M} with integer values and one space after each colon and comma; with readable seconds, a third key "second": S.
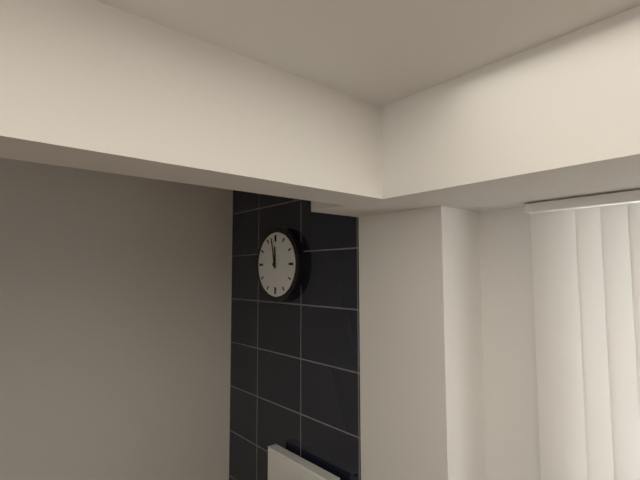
{"hour": 11, "minute": 58}
